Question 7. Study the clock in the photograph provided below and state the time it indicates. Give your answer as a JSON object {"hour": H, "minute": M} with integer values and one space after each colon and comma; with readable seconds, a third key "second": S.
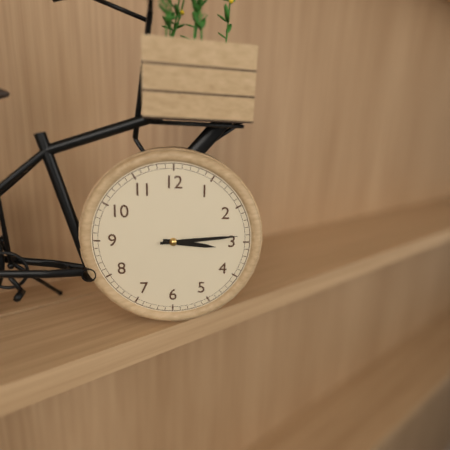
{"hour": 3, "minute": 14}
